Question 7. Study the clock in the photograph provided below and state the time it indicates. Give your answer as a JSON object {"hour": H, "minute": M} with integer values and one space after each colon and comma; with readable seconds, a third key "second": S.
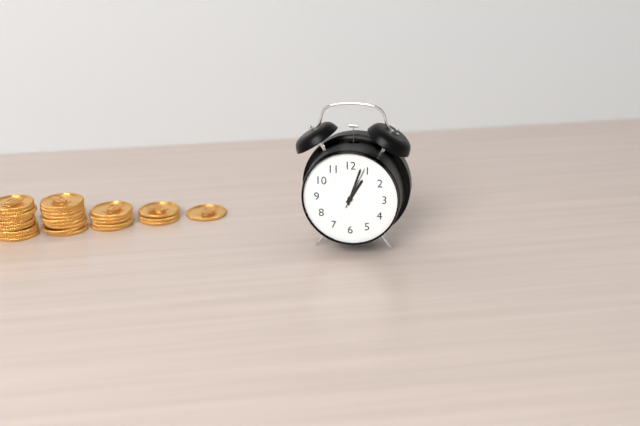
{"hour": 1, "minute": 3}
